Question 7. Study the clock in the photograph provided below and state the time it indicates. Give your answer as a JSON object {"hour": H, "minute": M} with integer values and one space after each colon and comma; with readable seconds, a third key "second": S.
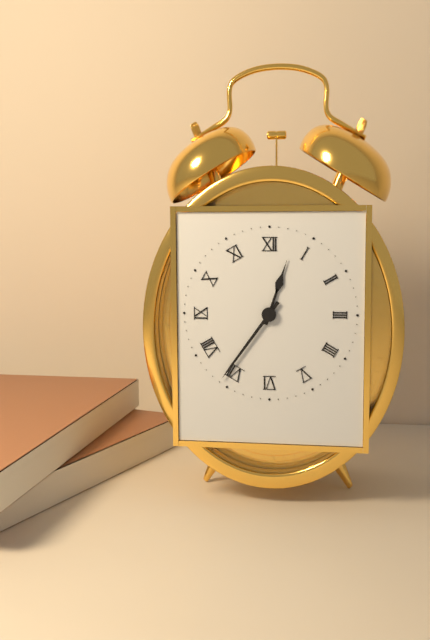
{"hour": 12, "minute": 36}
